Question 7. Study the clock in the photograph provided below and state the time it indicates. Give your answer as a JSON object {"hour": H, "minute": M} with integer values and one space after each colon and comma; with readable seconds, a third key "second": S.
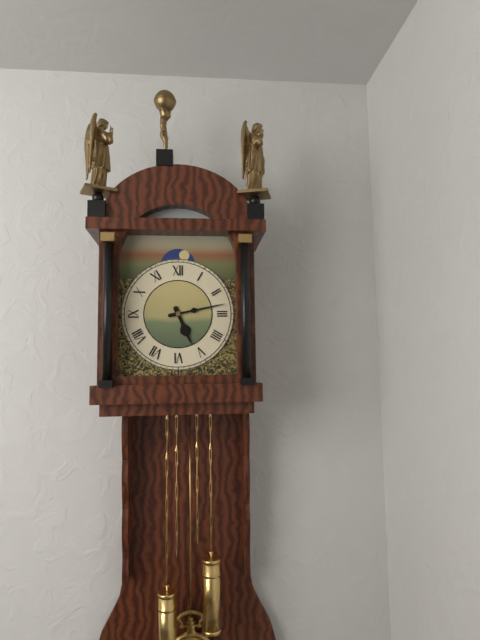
{"hour": 5, "minute": 13}
